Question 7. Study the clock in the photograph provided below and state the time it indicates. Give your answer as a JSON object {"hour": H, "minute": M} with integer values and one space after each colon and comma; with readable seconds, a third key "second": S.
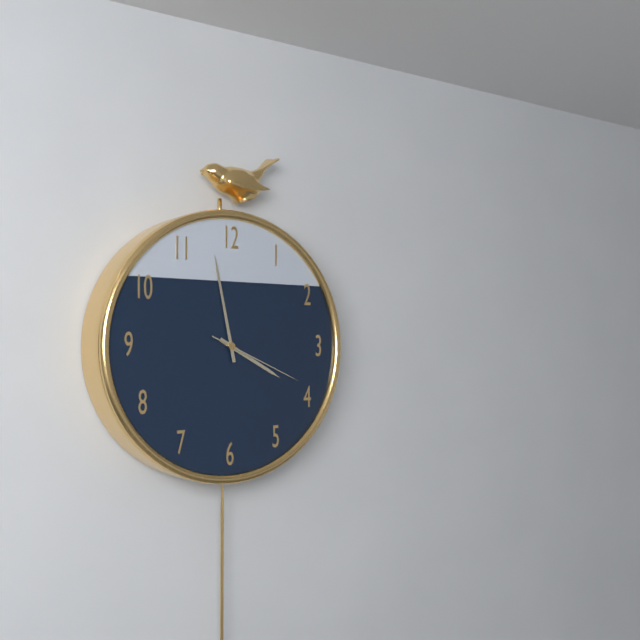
{"hour": 3, "minute": 58, "second": 19}
